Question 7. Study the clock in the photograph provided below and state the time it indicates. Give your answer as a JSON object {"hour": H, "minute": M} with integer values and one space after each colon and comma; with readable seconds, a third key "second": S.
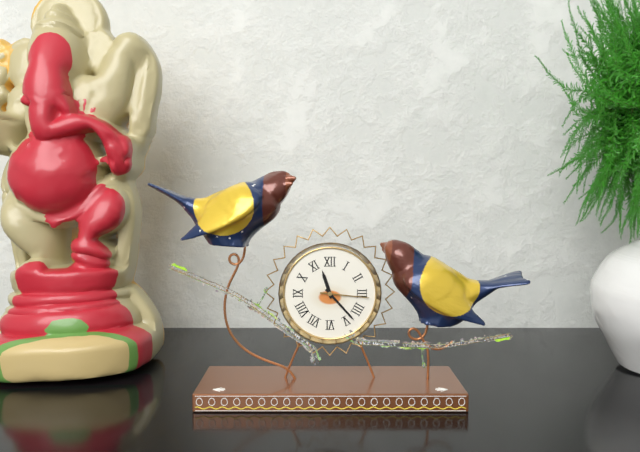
{"hour": 11, "minute": 23}
